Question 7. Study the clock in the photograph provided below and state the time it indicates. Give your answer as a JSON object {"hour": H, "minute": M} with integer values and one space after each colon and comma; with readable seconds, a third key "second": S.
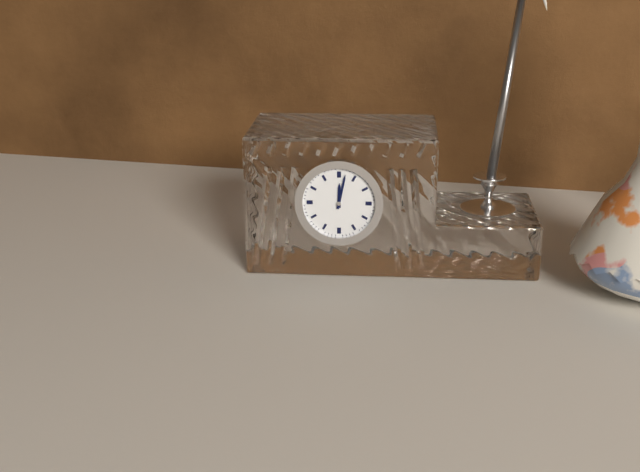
{"hour": 12, "minute": 2}
